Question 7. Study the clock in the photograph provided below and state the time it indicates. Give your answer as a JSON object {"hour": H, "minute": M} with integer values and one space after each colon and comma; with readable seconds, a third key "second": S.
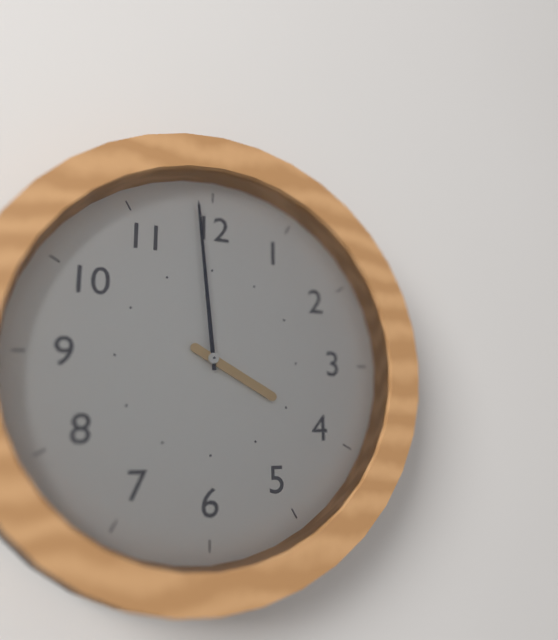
{"hour": 3, "minute": 59}
